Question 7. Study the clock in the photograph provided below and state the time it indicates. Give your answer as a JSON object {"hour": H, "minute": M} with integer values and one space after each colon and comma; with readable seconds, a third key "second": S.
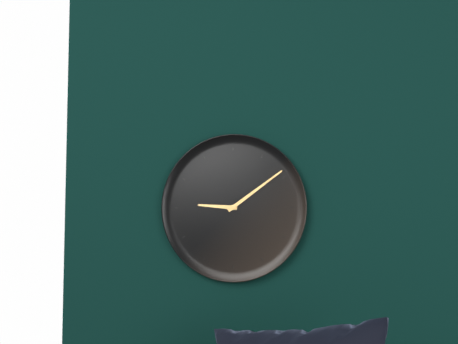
{"hour": 9, "minute": 9}
